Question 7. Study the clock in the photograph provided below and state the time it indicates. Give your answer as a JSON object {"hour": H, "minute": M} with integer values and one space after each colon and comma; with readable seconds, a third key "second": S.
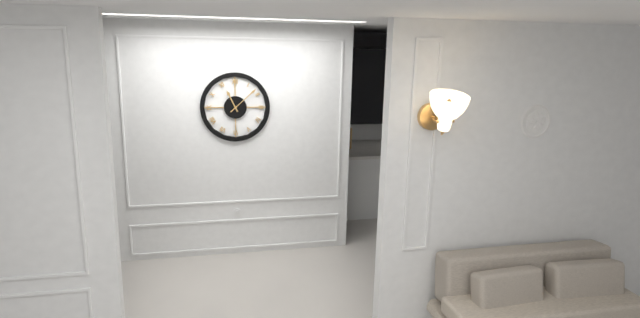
{"hour": 11, "minute": 8}
